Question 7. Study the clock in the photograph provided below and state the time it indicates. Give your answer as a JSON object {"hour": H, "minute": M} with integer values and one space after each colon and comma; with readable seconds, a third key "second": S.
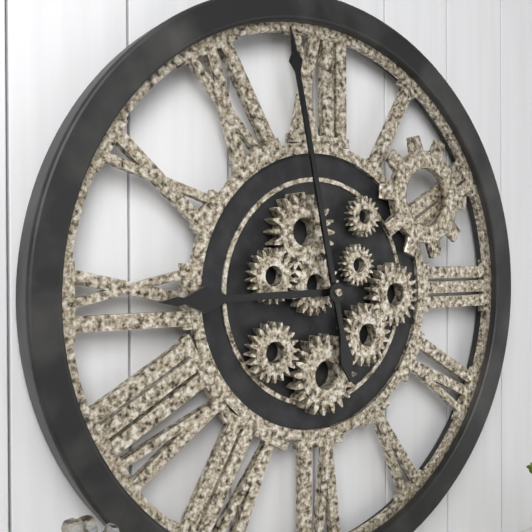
{"hour": 8, "minute": 58}
